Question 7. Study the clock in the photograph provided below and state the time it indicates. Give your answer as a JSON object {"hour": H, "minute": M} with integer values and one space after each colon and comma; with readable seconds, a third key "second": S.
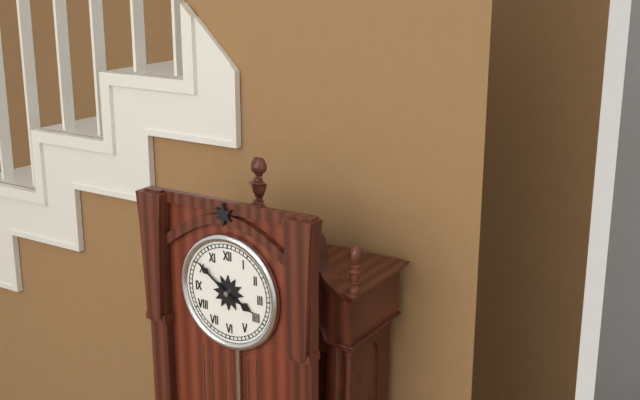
{"hour": 3, "minute": 51}
